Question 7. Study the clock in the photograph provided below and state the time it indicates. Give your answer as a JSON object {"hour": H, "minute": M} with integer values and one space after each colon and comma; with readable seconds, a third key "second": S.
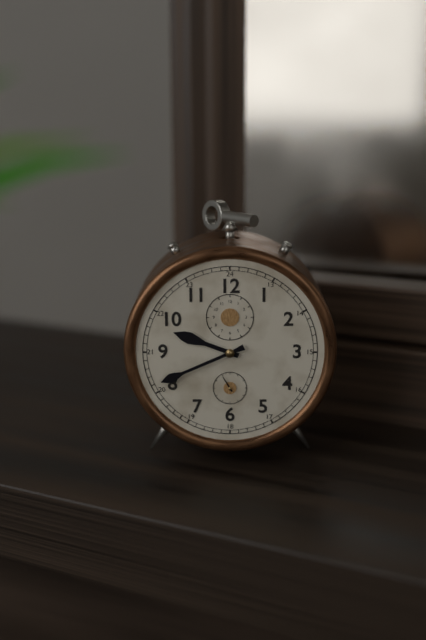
{"hour": 9, "minute": 41}
